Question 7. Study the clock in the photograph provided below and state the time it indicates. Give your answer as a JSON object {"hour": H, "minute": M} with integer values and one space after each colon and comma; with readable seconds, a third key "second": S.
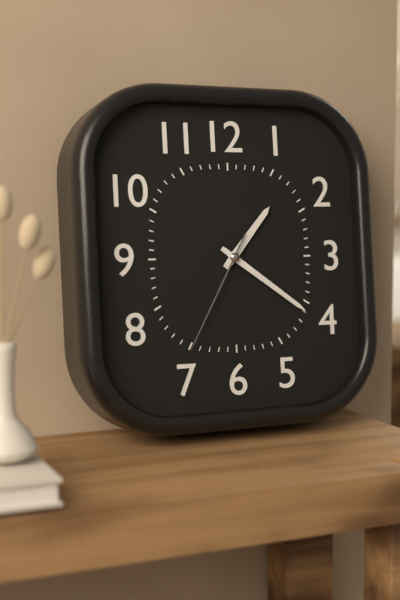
{"hour": 1, "minute": 21, "second": 35}
